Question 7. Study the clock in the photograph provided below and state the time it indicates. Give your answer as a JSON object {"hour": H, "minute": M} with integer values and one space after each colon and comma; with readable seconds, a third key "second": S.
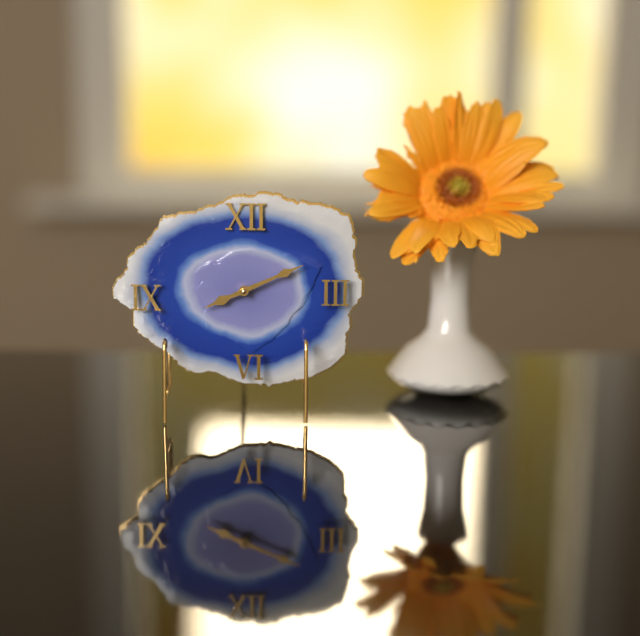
{"hour": 8, "minute": 11}
